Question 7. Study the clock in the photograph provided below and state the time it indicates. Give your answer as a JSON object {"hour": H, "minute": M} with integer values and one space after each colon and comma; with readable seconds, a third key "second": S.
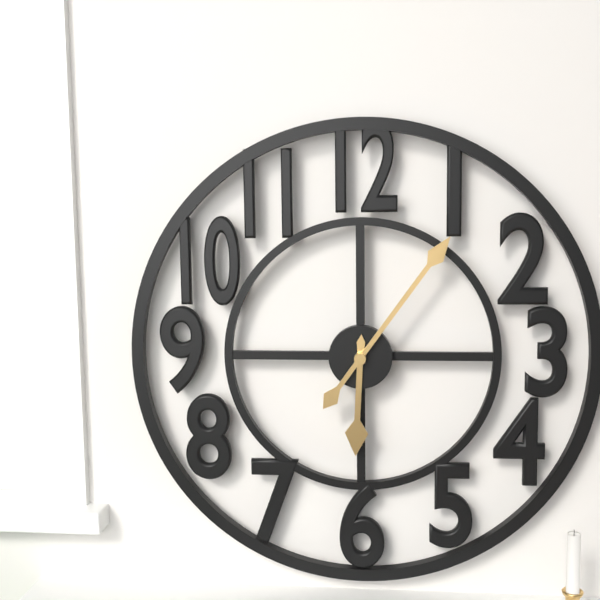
{"hour": 6, "minute": 6}
